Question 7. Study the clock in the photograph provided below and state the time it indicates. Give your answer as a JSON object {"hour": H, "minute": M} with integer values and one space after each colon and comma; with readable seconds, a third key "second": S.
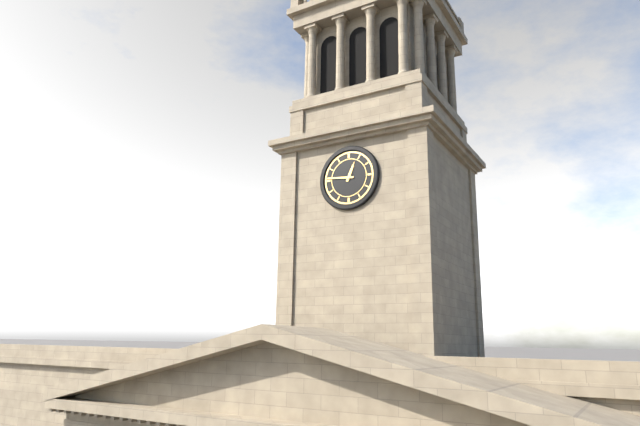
{"hour": 12, "minute": 46}
